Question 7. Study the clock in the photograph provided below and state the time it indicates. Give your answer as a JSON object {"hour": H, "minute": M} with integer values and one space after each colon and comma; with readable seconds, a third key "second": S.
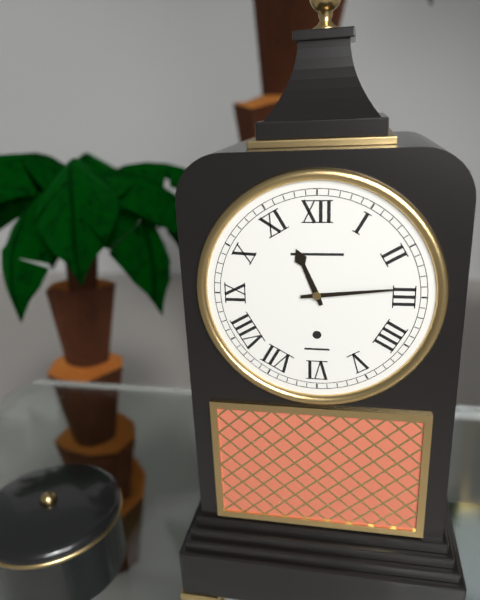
{"hour": 11, "minute": 14}
